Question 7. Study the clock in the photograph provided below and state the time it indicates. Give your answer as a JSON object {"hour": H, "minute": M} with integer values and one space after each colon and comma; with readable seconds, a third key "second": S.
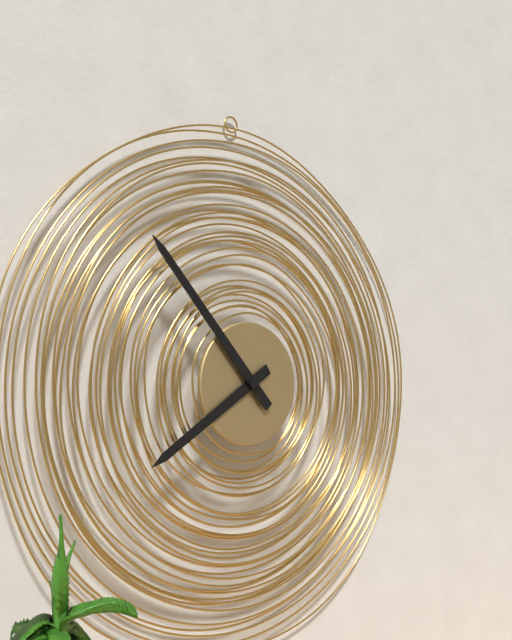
{"hour": 7, "minute": 53}
